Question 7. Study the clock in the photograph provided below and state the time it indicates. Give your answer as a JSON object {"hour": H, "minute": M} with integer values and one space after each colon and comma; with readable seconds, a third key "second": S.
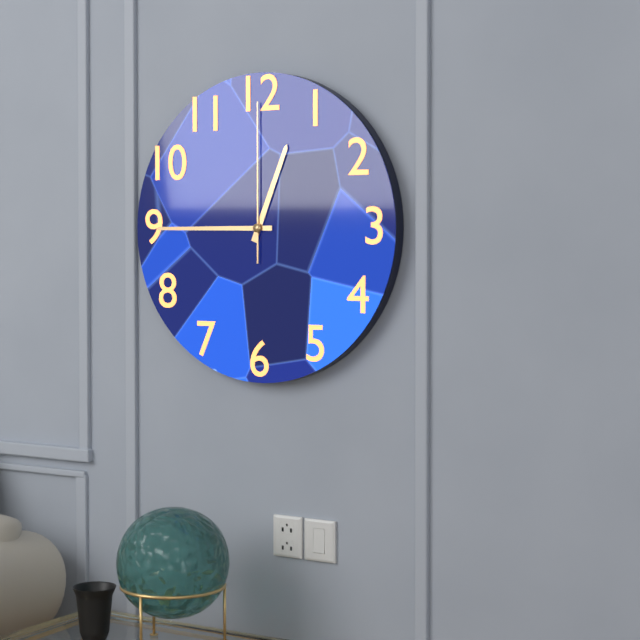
{"hour": 12, "minute": 45, "second": 0}
